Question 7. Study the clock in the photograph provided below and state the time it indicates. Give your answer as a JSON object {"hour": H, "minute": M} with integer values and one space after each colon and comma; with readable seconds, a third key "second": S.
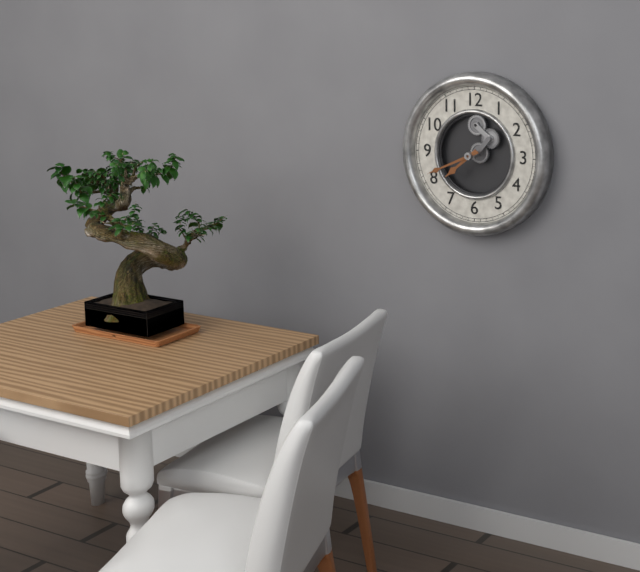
{"hour": 7, "minute": 41}
